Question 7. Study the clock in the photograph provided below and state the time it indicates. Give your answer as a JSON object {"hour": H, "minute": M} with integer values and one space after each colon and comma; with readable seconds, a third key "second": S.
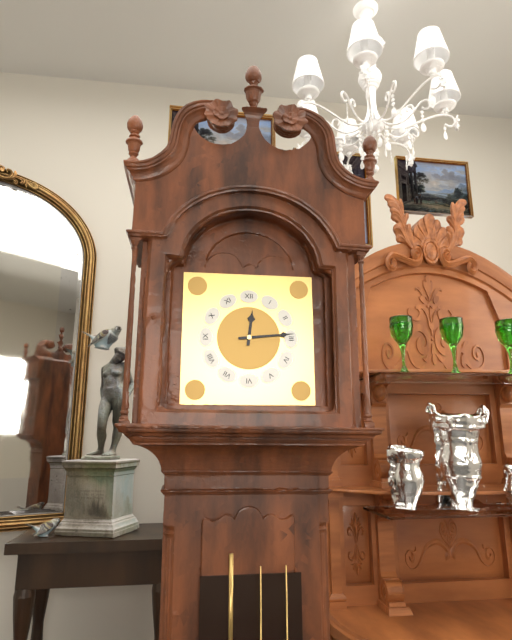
{"hour": 12, "minute": 14}
